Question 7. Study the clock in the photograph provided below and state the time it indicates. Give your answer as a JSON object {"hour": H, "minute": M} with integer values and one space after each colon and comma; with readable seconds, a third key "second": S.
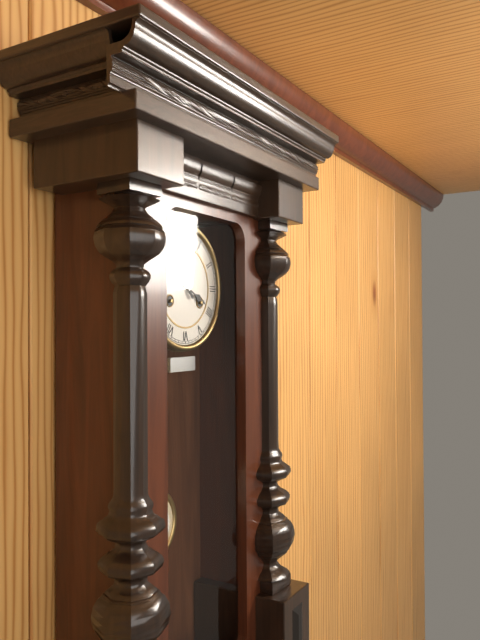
{"hour": 3, "minute": 53}
